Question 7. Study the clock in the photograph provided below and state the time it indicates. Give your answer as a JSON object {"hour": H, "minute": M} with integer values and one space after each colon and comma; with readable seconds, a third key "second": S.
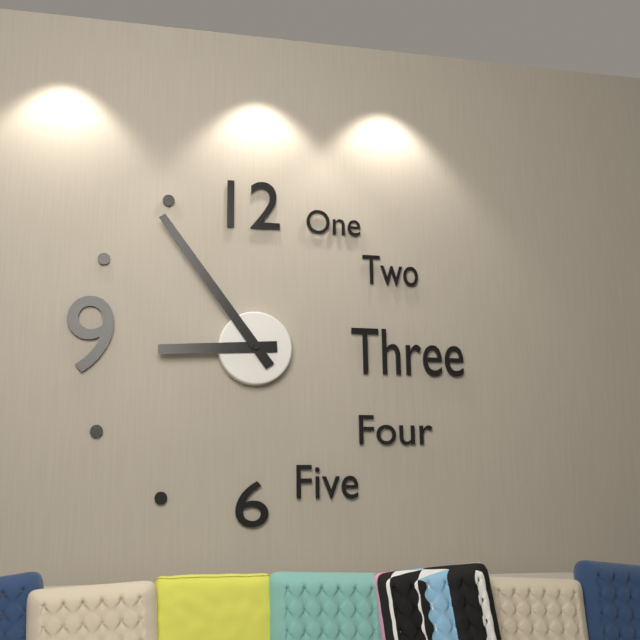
{"hour": 8, "minute": 54}
